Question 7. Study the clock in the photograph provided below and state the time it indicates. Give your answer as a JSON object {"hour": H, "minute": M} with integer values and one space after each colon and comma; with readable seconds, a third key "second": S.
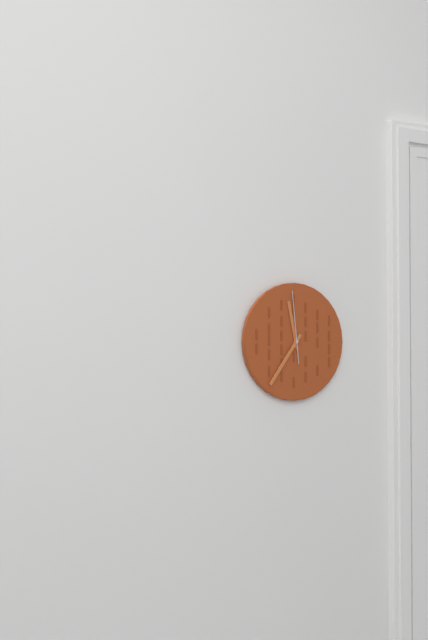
{"hour": 11, "minute": 36, "second": 59}
